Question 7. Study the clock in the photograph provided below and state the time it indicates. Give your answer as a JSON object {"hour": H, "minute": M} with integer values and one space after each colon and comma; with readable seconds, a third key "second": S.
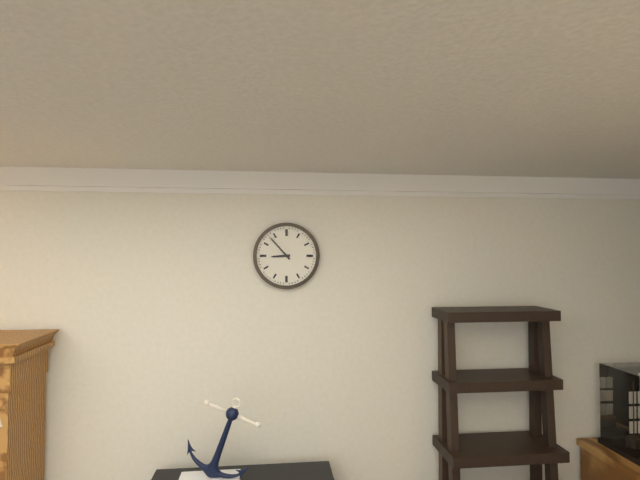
{"hour": 8, "minute": 53}
